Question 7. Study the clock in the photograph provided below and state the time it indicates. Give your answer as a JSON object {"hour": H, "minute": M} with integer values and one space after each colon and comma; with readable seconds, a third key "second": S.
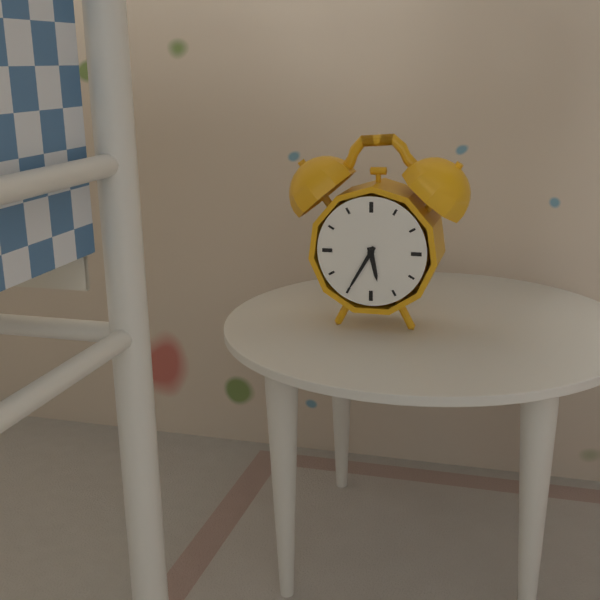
{"hour": 5, "minute": 35}
